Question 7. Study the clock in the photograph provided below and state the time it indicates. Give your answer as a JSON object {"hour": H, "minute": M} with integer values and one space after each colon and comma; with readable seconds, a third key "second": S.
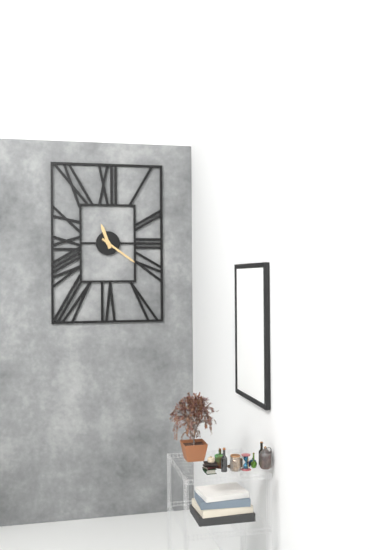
{"hour": 11, "minute": 21}
